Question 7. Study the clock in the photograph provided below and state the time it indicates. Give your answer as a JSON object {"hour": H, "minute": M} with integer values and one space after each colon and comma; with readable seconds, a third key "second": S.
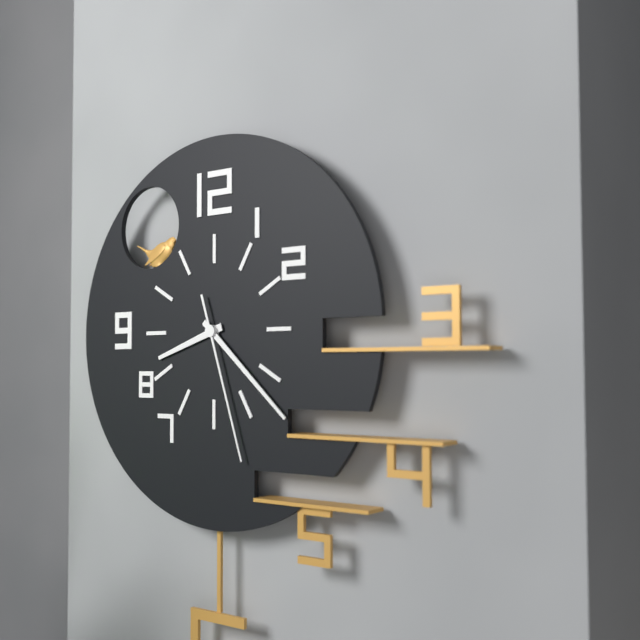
{"hour": 8, "minute": 22, "second": 27}
